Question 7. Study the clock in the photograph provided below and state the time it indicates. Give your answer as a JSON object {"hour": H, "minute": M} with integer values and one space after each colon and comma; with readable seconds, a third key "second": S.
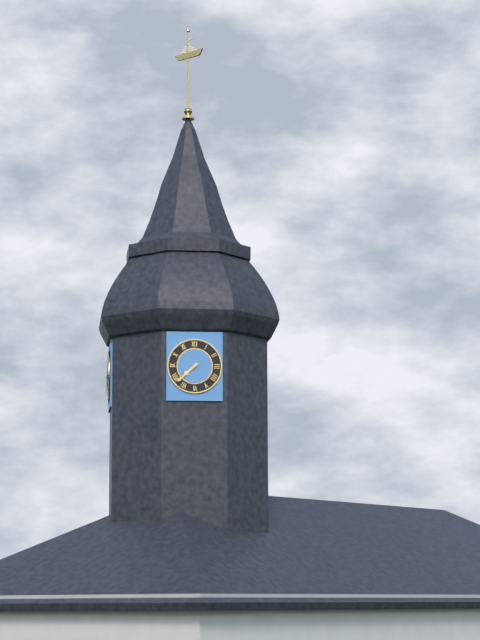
{"hour": 7, "minute": 38}
